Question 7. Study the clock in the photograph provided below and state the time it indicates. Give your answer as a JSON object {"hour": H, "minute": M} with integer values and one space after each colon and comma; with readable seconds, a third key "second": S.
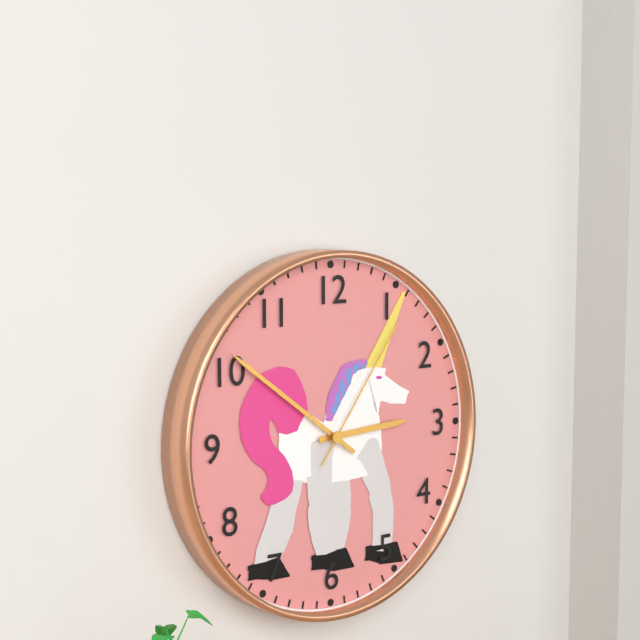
{"hour": 2, "minute": 51, "second": 6}
